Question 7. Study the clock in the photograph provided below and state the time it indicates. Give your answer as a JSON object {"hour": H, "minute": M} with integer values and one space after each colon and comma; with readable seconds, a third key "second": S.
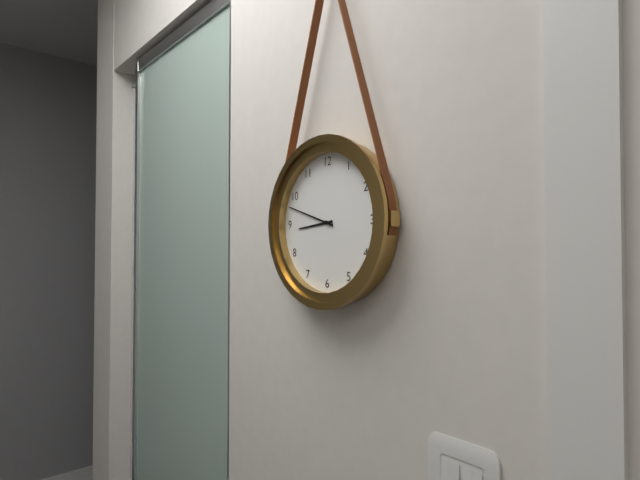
{"hour": 8, "minute": 48}
